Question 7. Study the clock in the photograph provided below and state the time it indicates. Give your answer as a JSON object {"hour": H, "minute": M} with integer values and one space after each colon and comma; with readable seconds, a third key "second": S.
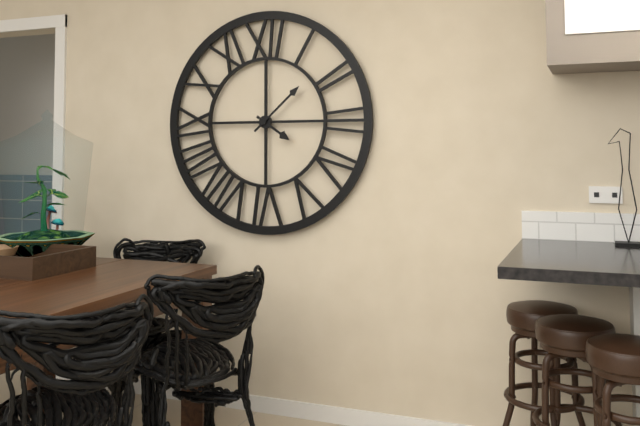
{"hour": 4, "minute": 8}
